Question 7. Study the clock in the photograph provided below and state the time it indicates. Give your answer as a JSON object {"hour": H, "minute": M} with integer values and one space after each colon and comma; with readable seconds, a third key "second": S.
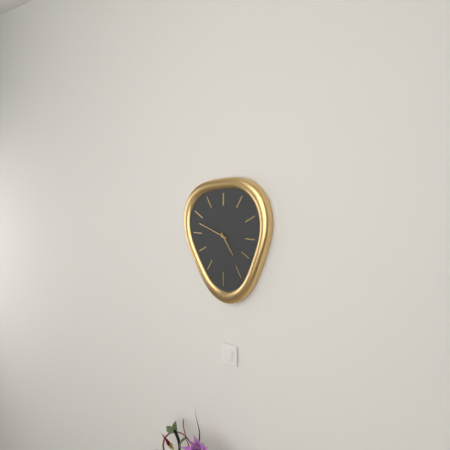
{"hour": 4, "minute": 48}
